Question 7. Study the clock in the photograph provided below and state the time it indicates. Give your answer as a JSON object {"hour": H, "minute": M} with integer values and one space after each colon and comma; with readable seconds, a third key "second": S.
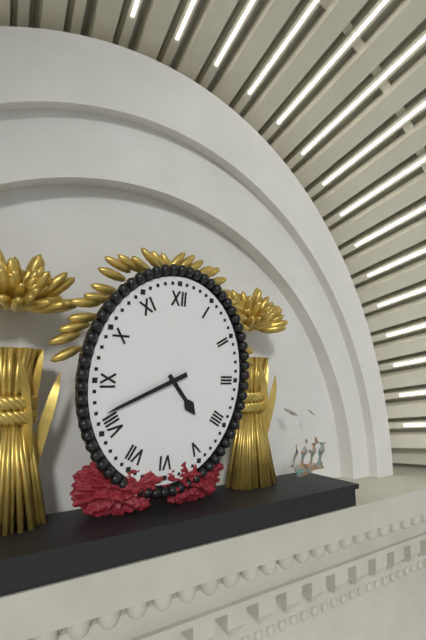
{"hour": 4, "minute": 41}
